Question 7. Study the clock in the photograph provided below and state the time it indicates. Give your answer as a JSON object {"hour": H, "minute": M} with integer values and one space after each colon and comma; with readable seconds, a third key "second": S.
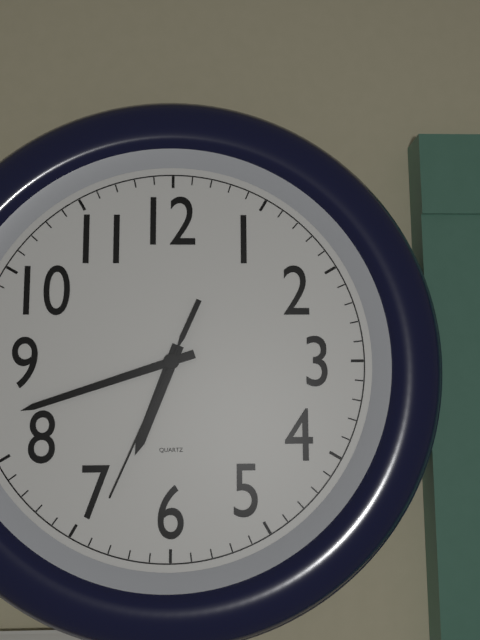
{"hour": 6, "minute": 42, "second": 34}
